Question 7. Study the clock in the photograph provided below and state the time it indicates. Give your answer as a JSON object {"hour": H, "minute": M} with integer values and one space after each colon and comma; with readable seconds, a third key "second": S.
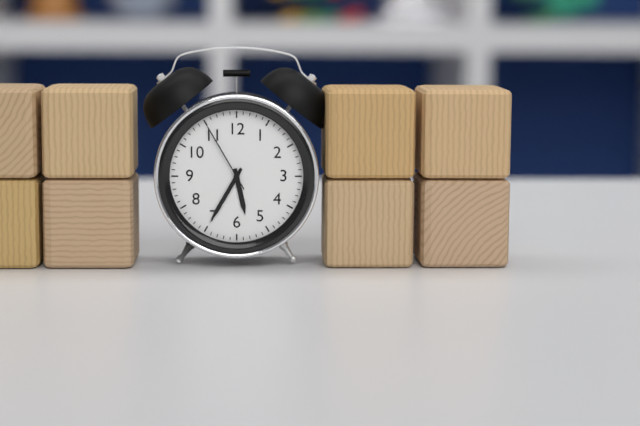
{"hour": 5, "minute": 35, "second": 55}
